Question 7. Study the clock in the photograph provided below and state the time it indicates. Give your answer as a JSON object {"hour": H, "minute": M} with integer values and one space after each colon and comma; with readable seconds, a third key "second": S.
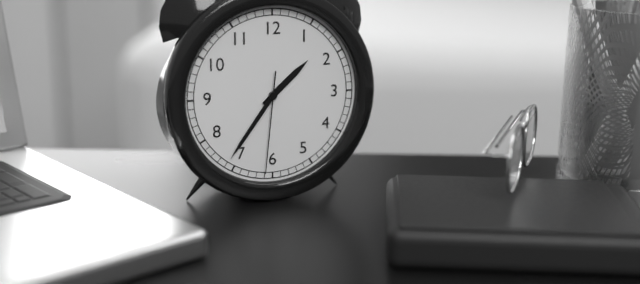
{"hour": 1, "minute": 36, "second": 31}
